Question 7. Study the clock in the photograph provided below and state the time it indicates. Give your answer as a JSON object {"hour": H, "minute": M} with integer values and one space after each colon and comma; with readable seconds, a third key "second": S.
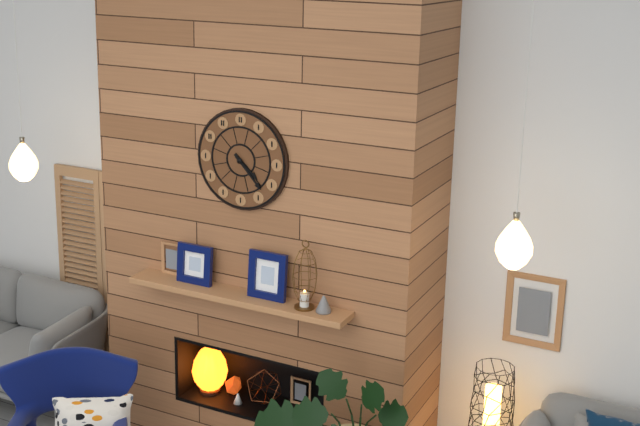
{"hour": 4, "minute": 23}
